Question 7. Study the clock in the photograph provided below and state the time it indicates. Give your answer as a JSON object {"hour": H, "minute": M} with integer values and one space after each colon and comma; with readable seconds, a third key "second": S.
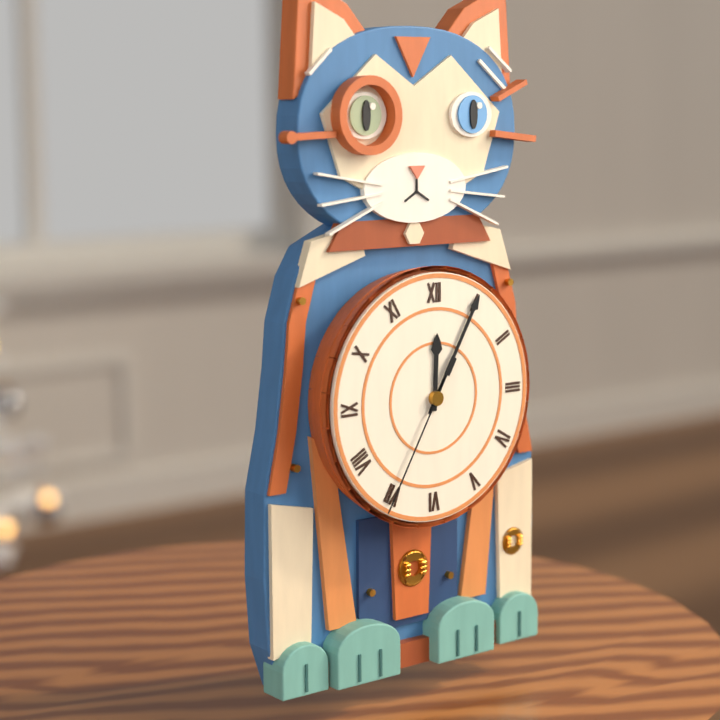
{"hour": 12, "minute": 5, "second": 35}
